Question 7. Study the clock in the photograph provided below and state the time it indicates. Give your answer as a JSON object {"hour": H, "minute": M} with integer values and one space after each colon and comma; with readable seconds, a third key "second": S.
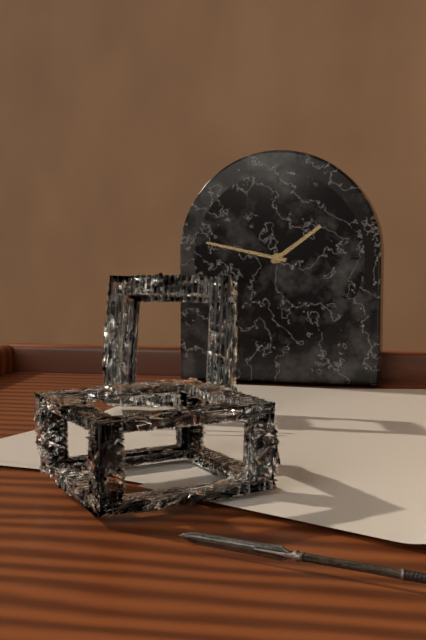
{"hour": 1, "minute": 47}
